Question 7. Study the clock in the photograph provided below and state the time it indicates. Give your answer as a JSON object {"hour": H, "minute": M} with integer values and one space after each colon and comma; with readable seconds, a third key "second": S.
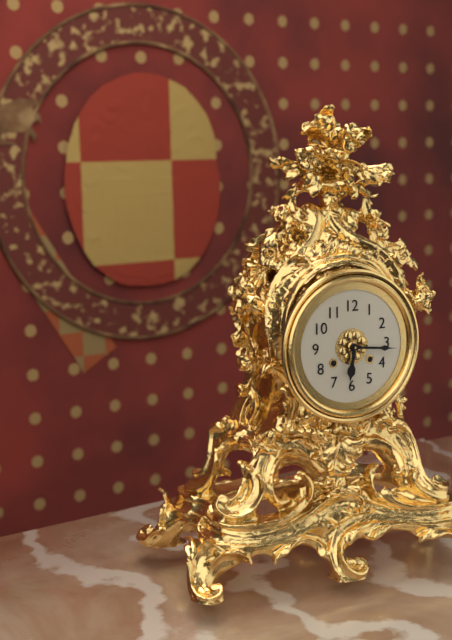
{"hour": 6, "minute": 16}
